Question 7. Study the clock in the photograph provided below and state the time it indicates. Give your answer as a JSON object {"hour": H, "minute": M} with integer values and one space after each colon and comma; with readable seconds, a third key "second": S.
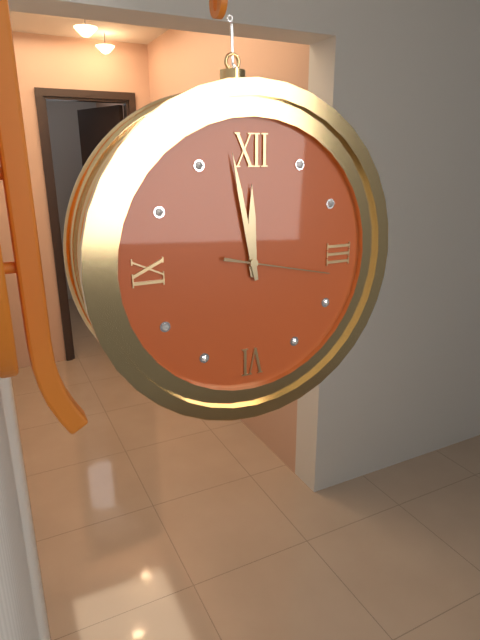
{"hour": 11, "minute": 58, "second": 17}
